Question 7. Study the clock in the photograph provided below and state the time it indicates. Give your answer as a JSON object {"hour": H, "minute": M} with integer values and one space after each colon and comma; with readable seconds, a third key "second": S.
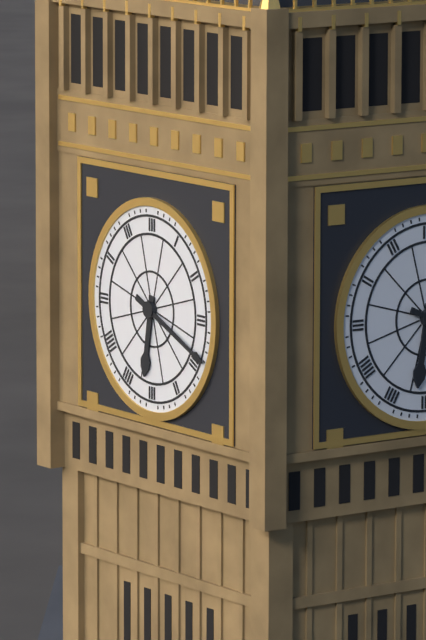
{"hour": 6, "minute": 19}
